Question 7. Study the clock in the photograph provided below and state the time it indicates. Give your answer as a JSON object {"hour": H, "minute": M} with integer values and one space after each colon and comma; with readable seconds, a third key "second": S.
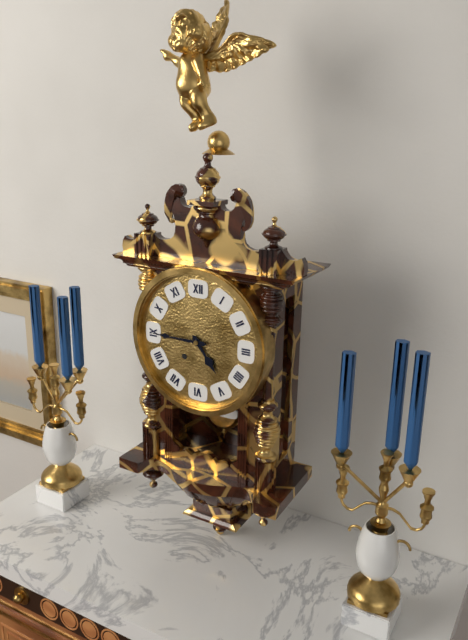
{"hour": 4, "minute": 45}
